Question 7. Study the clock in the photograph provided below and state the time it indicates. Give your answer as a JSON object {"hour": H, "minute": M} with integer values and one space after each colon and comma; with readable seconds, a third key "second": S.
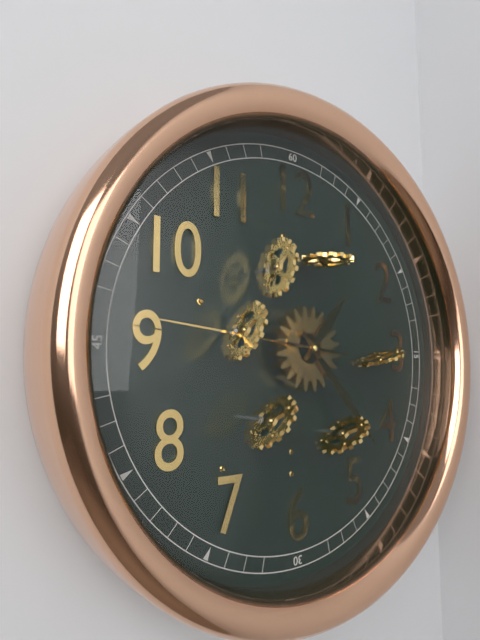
{"hour": 1, "minute": 23, "second": 46}
